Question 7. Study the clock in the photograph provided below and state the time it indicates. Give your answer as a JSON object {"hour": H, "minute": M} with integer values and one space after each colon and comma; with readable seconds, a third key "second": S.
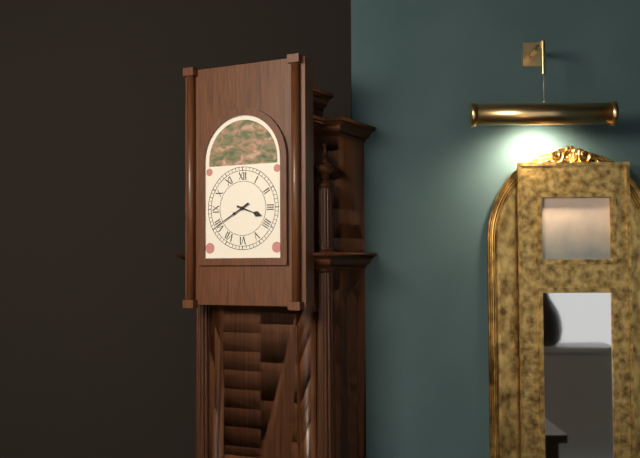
{"hour": 3, "minute": 40}
